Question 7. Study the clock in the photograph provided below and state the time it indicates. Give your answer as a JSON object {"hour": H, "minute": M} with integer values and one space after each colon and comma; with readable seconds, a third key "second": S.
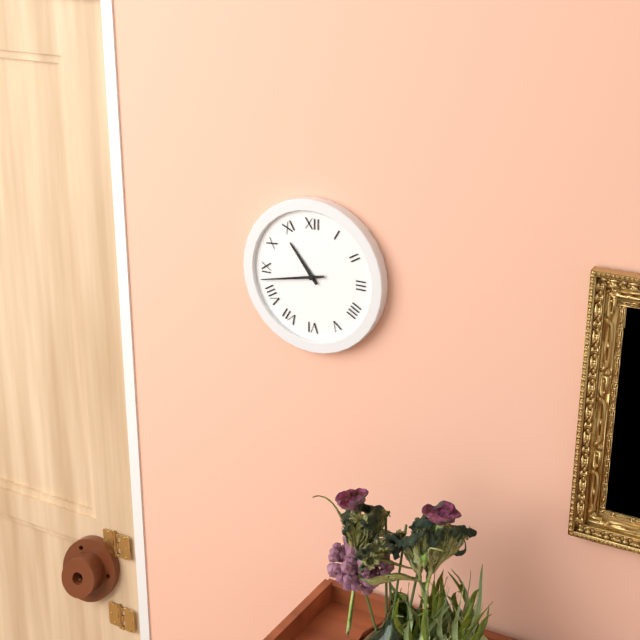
{"hour": 10, "minute": 43}
